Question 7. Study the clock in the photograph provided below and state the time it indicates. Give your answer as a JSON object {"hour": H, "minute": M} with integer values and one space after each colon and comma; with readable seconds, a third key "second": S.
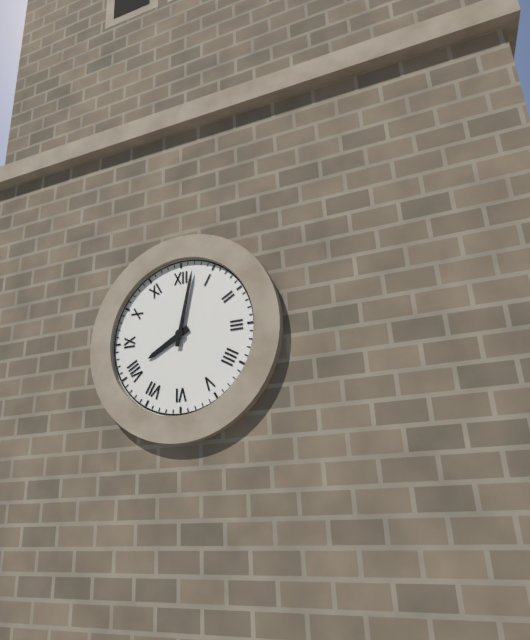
{"hour": 8, "minute": 2}
